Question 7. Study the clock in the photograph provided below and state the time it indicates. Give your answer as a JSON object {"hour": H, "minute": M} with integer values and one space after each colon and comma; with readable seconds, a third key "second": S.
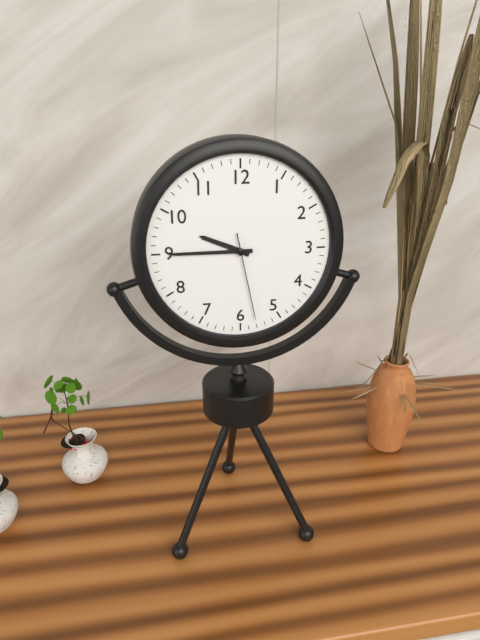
{"hour": 9, "minute": 45, "second": 28}
